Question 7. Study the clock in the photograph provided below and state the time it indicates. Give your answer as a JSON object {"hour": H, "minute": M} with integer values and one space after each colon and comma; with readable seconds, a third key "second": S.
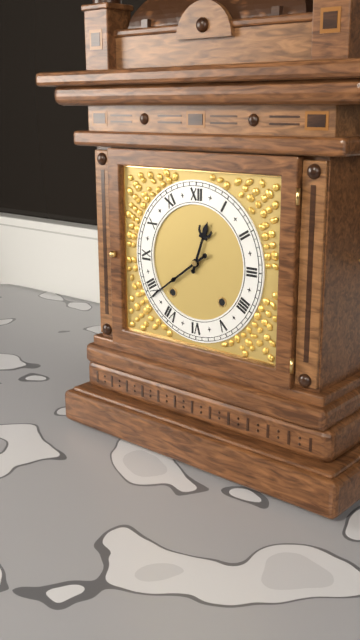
{"hour": 12, "minute": 39}
